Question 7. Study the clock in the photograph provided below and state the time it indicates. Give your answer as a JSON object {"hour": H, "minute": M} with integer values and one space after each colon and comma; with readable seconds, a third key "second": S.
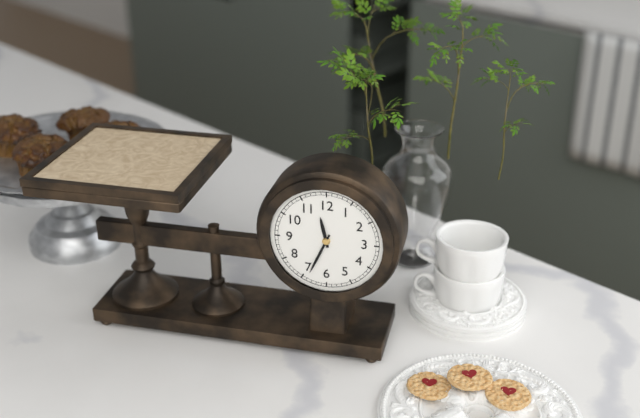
{"hour": 11, "minute": 34}
